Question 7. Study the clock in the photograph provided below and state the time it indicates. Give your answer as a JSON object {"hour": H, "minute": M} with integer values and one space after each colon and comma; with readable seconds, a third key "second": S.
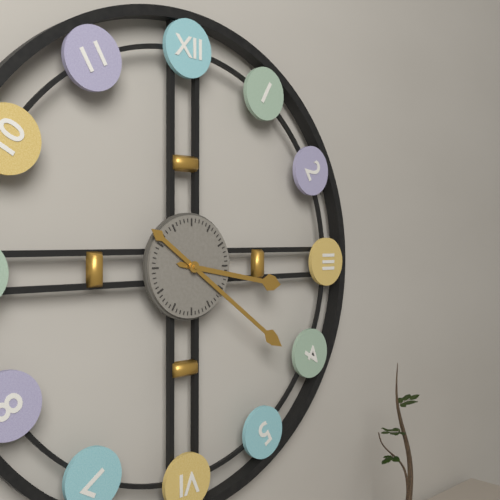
{"hour": 3, "minute": 21}
